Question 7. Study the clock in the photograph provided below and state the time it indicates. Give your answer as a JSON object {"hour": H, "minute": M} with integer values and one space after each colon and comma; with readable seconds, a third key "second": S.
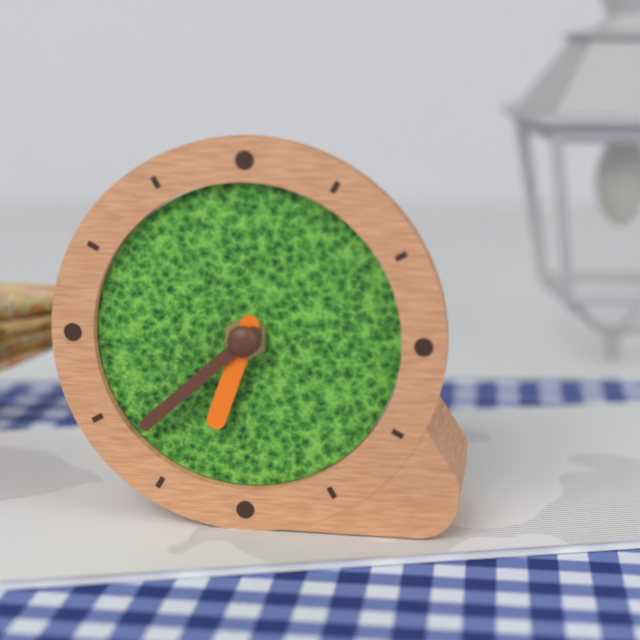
{"hour": 6, "minute": 38}
